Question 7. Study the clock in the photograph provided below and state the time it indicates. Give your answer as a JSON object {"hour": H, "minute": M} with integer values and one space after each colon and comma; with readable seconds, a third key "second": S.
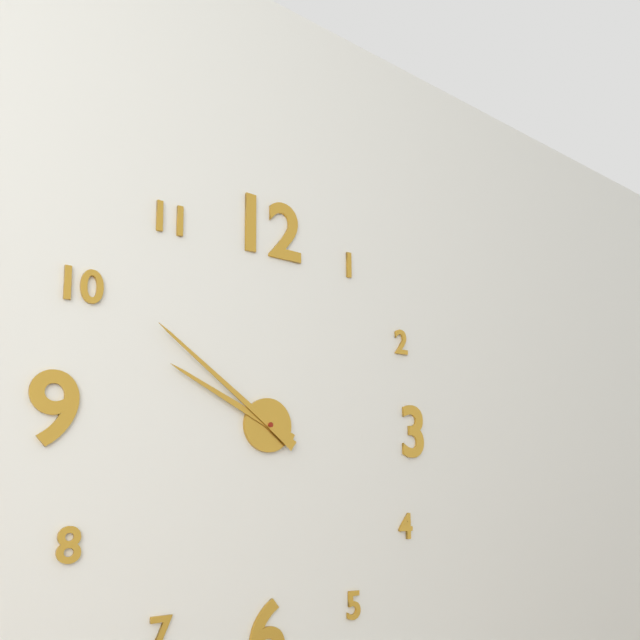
{"hour": 9, "minute": 51}
